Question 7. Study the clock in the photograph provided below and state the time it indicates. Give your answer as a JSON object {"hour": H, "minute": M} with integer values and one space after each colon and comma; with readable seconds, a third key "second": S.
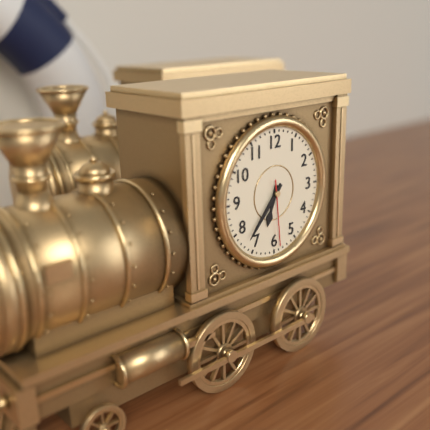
{"hour": 6, "minute": 37, "second": 29}
